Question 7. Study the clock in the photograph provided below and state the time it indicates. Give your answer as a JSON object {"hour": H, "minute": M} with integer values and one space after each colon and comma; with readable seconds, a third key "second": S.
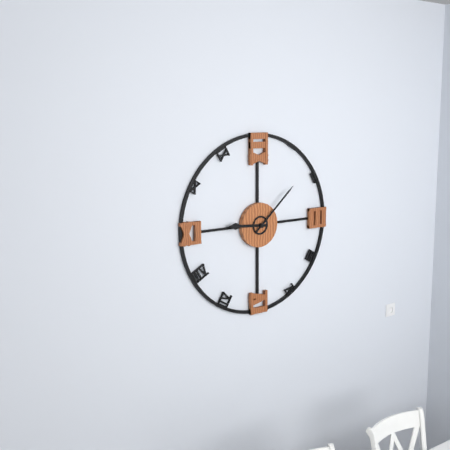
{"hour": 9, "minute": 8}
